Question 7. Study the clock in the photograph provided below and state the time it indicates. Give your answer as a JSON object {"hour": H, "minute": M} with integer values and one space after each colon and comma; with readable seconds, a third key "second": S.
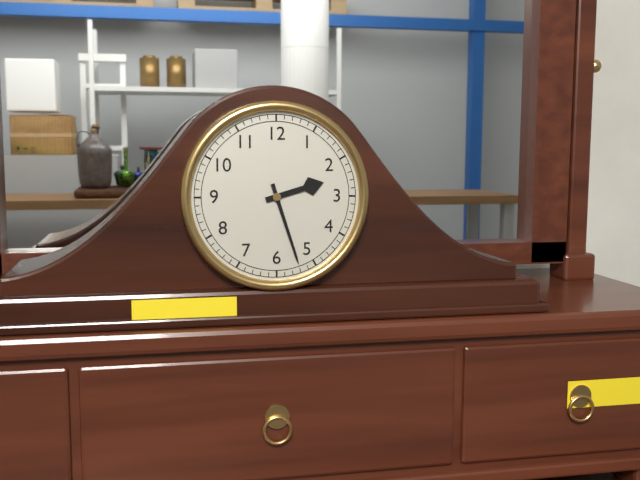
{"hour": 2, "minute": 27}
